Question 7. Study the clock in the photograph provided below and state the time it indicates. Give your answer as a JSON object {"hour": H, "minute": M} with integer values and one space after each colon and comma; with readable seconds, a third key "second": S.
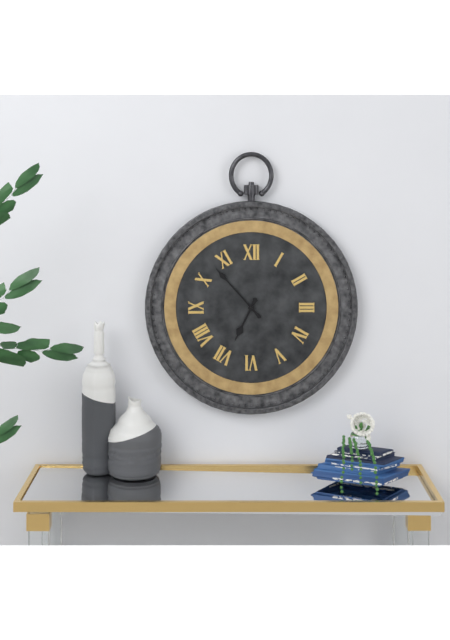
{"hour": 6, "minute": 53}
